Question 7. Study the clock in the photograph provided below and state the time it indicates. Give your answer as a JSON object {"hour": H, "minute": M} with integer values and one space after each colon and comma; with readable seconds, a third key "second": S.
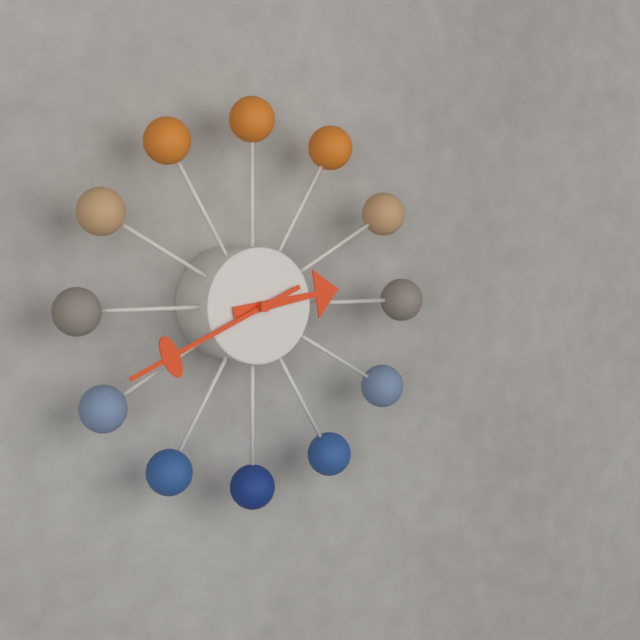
{"hour": 2, "minute": 41}
